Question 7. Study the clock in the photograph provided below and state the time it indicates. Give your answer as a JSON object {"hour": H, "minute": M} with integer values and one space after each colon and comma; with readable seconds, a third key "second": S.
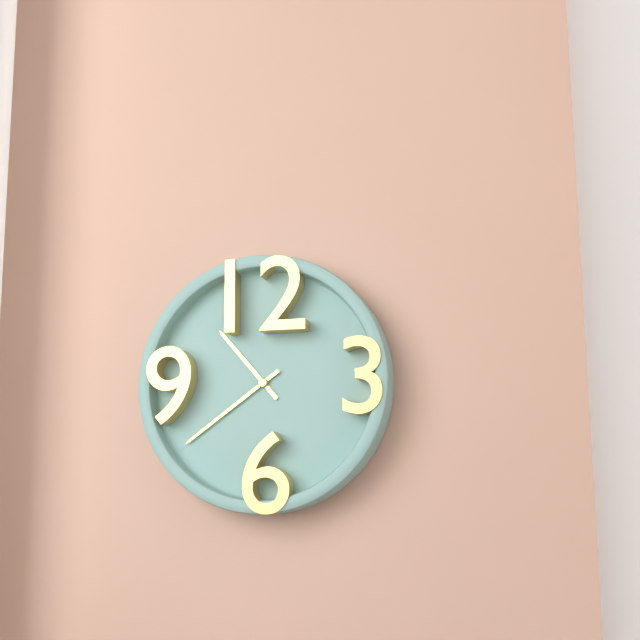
{"hour": 10, "minute": 39}
